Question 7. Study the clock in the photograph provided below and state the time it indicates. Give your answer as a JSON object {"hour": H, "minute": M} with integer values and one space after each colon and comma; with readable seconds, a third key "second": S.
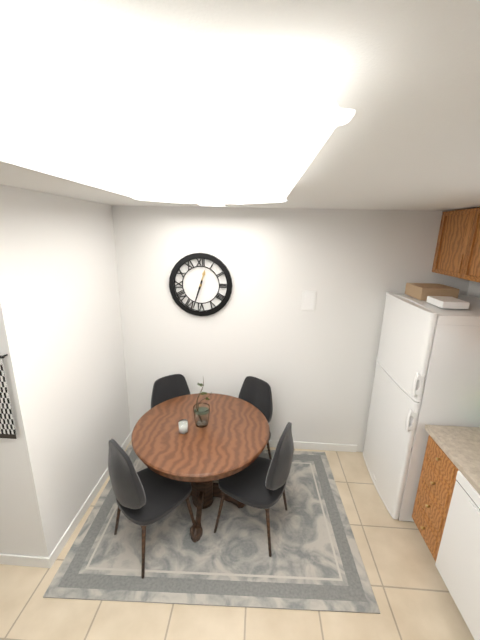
{"hour": 12, "minute": 33}
